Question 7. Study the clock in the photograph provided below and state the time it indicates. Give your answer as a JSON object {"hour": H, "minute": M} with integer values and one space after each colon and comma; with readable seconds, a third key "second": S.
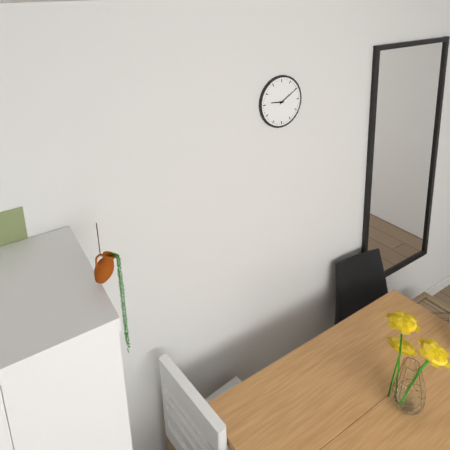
{"hour": 9, "minute": 10}
